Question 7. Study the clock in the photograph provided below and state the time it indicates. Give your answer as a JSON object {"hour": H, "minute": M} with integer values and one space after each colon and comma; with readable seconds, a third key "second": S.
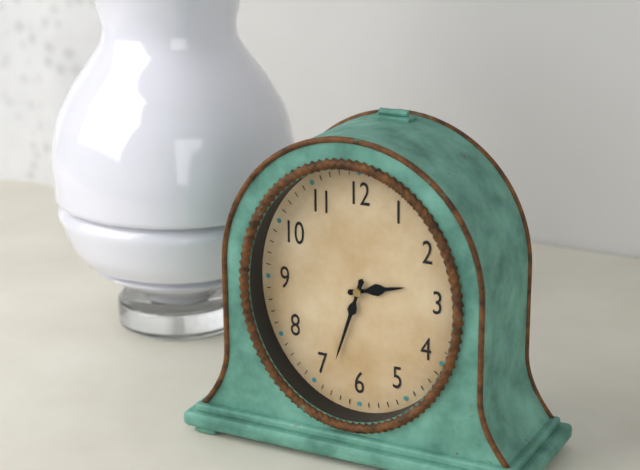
{"hour": 2, "minute": 33}
